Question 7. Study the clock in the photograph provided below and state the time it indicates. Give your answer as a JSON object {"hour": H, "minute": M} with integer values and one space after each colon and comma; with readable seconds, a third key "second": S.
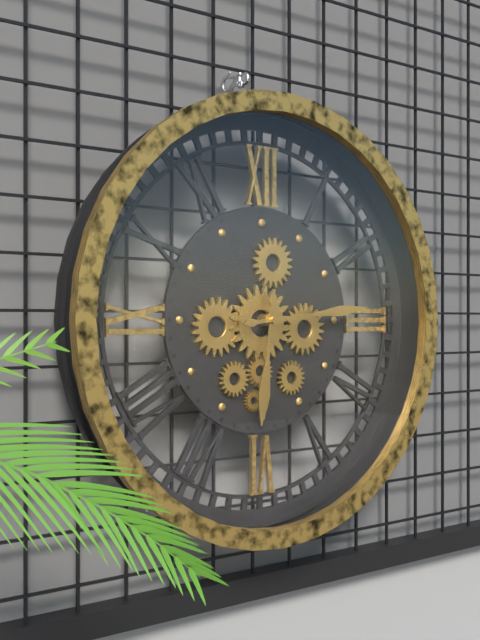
{"hour": 6, "minute": 14}
